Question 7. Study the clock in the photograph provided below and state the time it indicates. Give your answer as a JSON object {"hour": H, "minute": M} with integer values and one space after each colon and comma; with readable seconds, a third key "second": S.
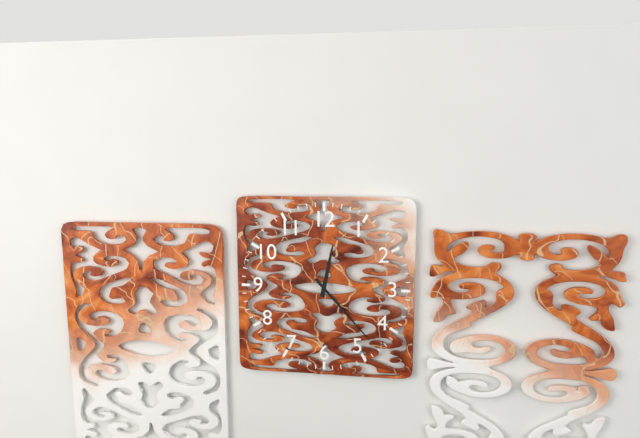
{"hour": 12, "minute": 23}
